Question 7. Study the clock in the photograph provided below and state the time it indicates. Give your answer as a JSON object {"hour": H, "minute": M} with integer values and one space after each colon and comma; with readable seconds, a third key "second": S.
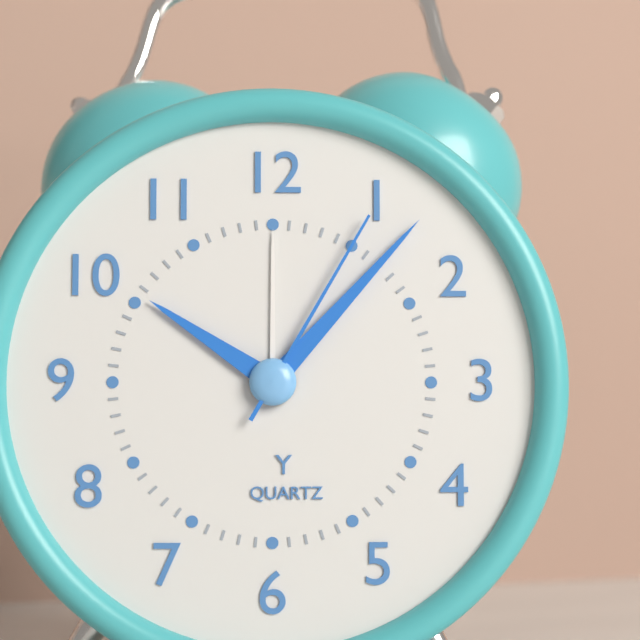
{"hour": 10, "minute": 7, "second": 5}
